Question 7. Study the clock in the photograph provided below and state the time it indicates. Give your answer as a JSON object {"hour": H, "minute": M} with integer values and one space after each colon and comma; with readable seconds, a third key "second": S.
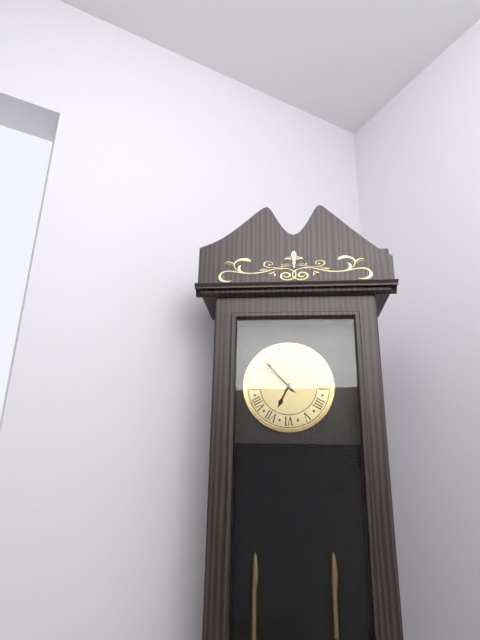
{"hour": 6, "minute": 53}
